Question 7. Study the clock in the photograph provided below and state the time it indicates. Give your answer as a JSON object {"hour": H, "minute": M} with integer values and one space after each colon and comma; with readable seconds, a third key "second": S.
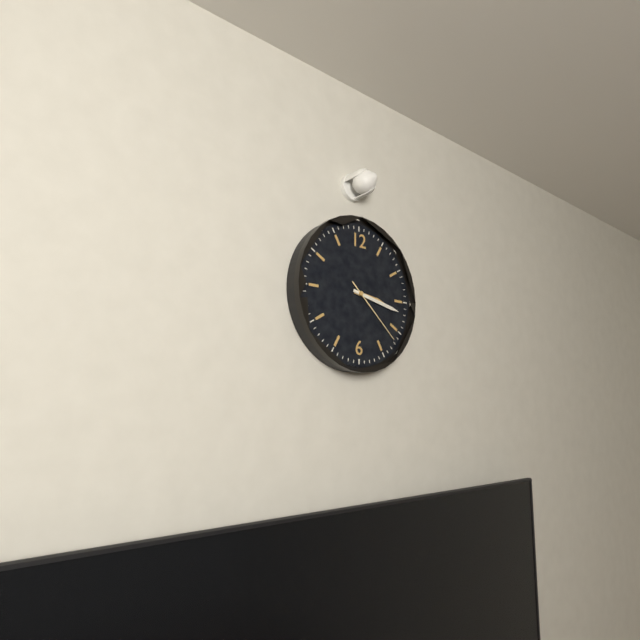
{"hour": 3, "minute": 17, "second": 22}
